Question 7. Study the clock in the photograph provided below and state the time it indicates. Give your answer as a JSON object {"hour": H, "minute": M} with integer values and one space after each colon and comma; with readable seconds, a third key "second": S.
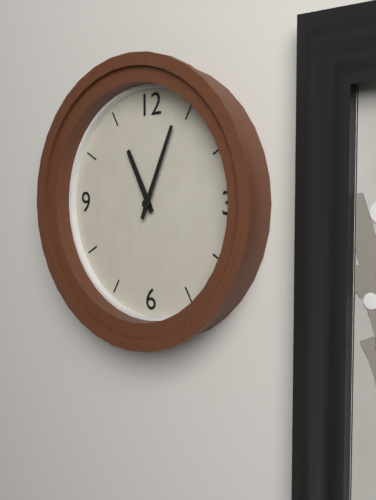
{"hour": 11, "minute": 4}
